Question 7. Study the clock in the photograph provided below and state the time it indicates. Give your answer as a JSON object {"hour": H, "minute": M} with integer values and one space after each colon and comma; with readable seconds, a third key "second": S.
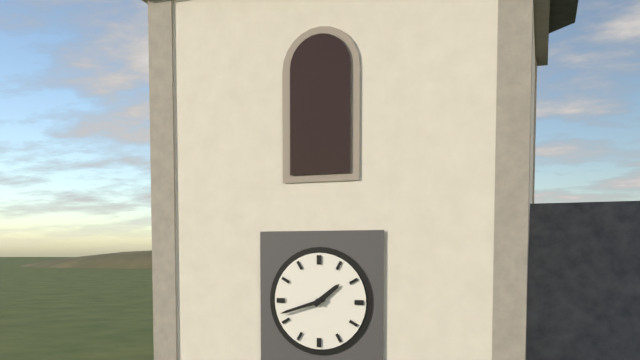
{"hour": 1, "minute": 42}
